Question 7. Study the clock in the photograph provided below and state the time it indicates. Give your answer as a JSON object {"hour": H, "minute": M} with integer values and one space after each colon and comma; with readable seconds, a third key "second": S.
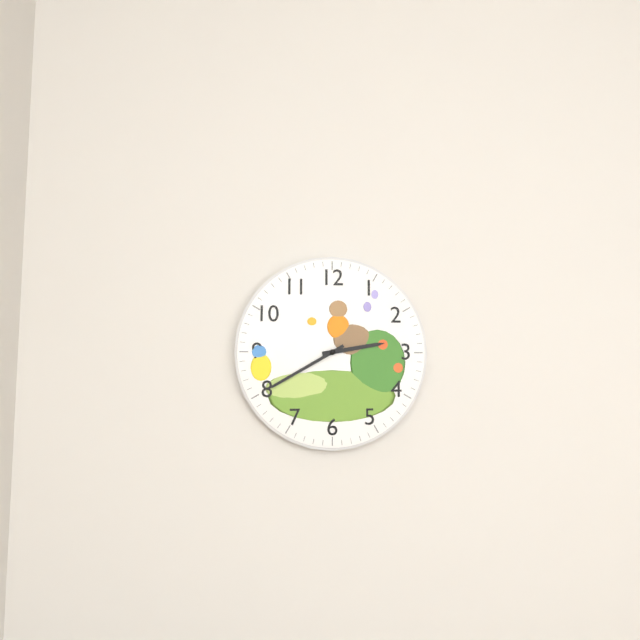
{"hour": 2, "minute": 40}
